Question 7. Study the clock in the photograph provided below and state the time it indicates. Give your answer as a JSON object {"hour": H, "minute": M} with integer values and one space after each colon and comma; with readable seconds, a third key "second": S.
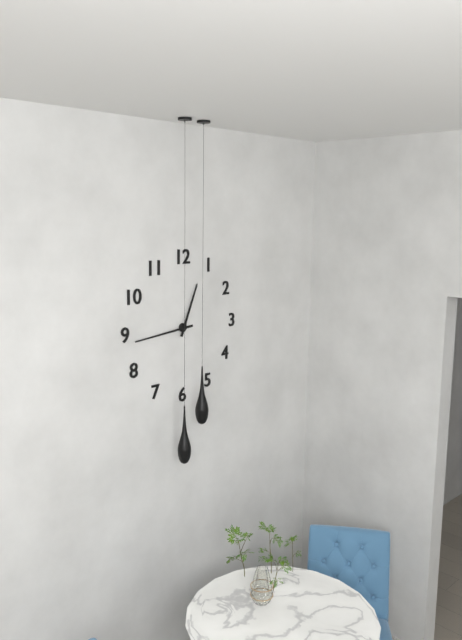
{"hour": 12, "minute": 44}
